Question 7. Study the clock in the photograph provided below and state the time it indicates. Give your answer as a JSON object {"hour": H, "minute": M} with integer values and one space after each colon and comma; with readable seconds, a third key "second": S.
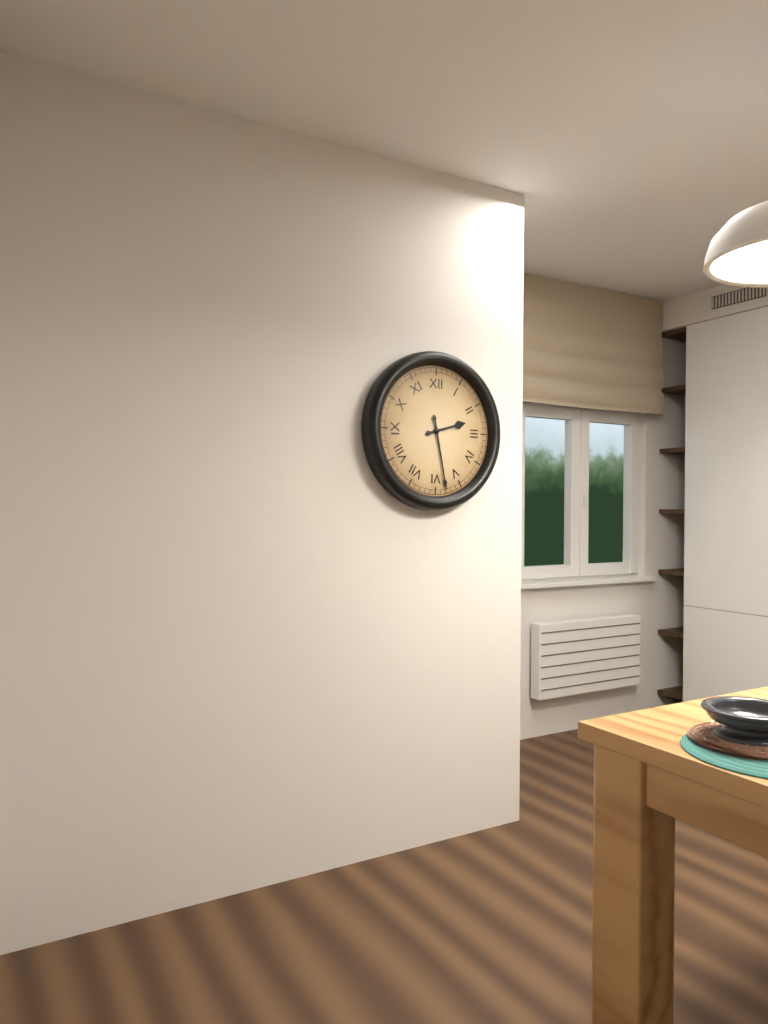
{"hour": 2, "minute": 28}
